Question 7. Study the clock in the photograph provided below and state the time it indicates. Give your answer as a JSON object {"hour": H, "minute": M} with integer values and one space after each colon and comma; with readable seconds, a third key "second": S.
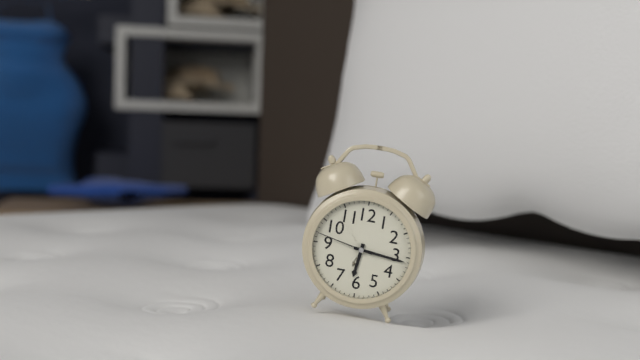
{"hour": 6, "minute": 16, "second": 47}
